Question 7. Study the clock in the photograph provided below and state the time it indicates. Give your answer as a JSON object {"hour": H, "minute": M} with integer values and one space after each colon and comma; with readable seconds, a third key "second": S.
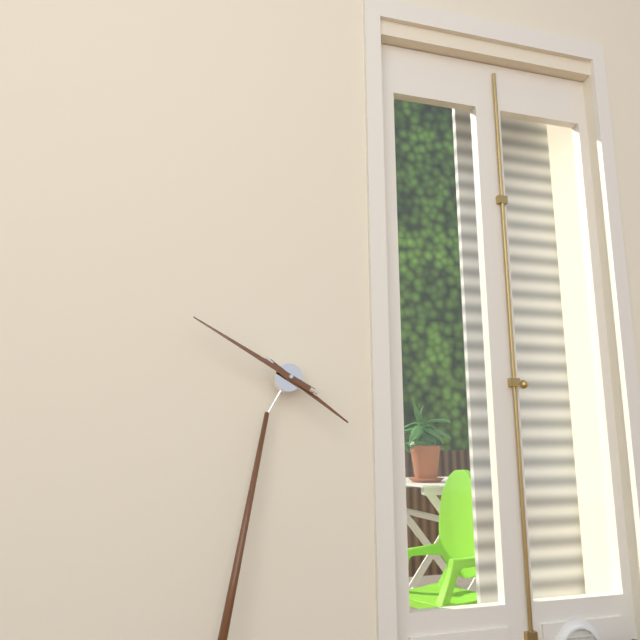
{"hour": 3, "minute": 48}
